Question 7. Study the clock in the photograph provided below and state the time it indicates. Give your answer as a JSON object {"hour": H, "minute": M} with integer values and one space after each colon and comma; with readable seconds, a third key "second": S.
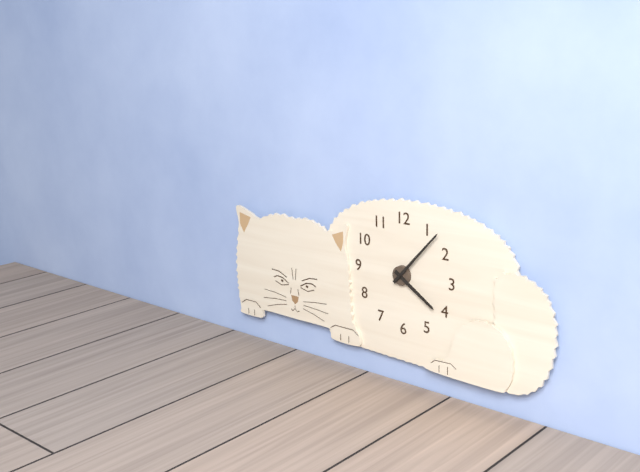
{"hour": 4, "minute": 7}
